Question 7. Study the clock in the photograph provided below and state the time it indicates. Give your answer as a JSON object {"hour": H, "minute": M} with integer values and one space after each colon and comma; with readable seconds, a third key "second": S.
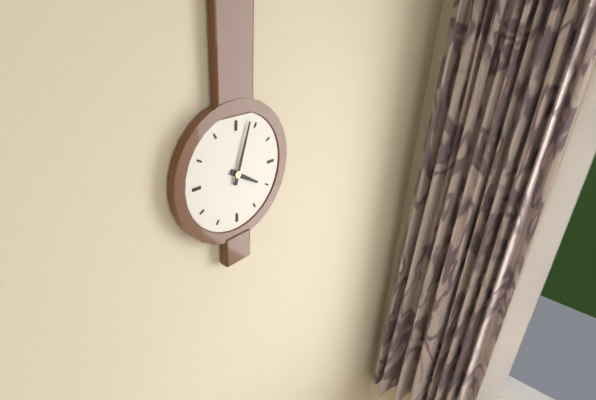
{"hour": 4, "minute": 3}
